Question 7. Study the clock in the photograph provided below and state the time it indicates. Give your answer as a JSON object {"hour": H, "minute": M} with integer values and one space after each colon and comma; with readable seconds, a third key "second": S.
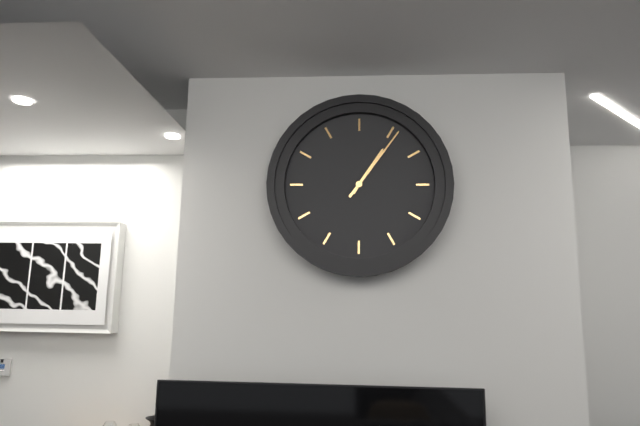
{"hour": 1, "minute": 6}
